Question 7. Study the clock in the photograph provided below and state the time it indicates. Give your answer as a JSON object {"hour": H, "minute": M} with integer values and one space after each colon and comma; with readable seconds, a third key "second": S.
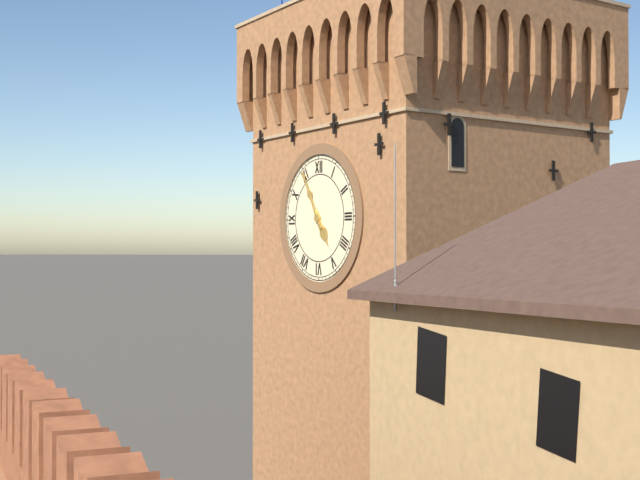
{"hour": 4, "minute": 55}
